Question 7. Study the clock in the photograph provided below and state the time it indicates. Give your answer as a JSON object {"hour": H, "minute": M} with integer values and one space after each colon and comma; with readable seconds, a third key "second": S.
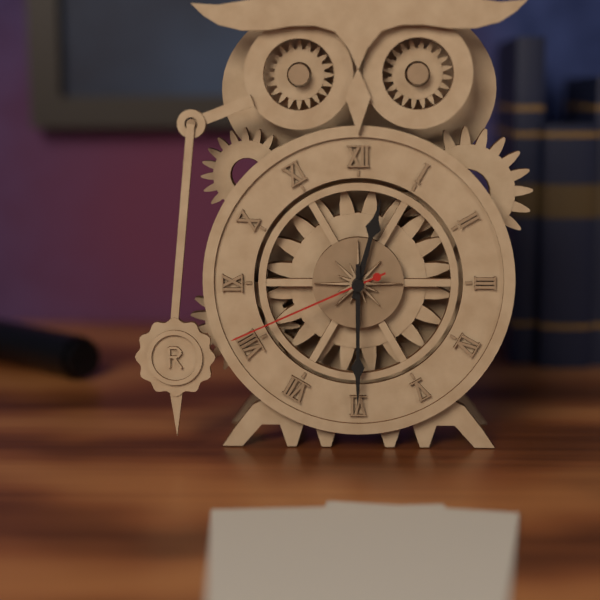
{"hour": 12, "minute": 30, "second": 41}
